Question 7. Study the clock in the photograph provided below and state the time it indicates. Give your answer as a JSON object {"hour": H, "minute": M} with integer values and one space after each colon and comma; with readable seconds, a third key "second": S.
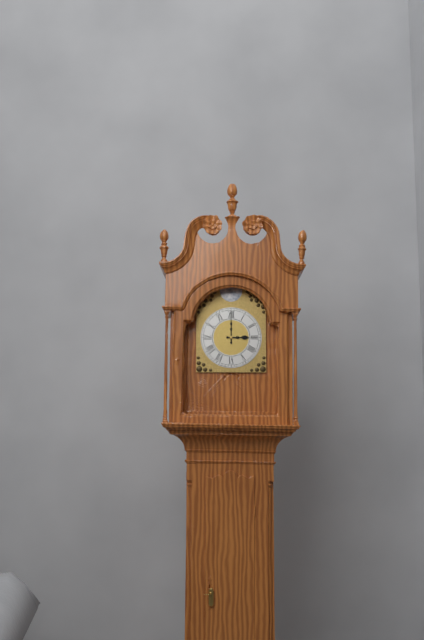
{"hour": 3, "minute": 0}
